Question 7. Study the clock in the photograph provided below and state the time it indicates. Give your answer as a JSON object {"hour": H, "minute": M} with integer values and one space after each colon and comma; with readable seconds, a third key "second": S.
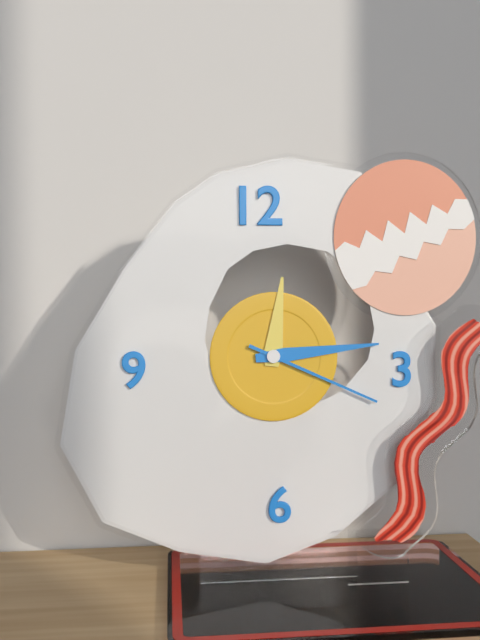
{"hour": 12, "minute": 14, "second": 19}
